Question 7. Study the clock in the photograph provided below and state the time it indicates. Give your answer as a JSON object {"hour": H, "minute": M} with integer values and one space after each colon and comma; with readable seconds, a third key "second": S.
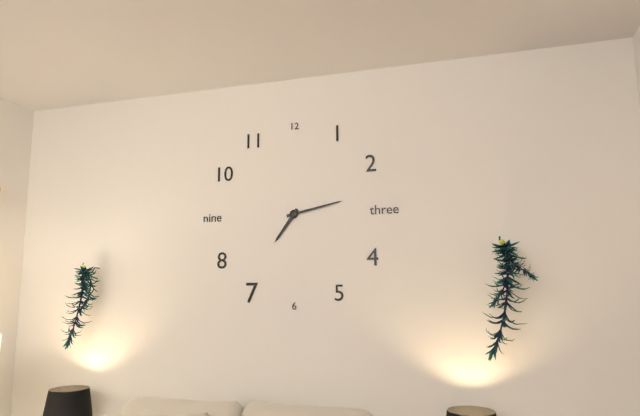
{"hour": 7, "minute": 13}
